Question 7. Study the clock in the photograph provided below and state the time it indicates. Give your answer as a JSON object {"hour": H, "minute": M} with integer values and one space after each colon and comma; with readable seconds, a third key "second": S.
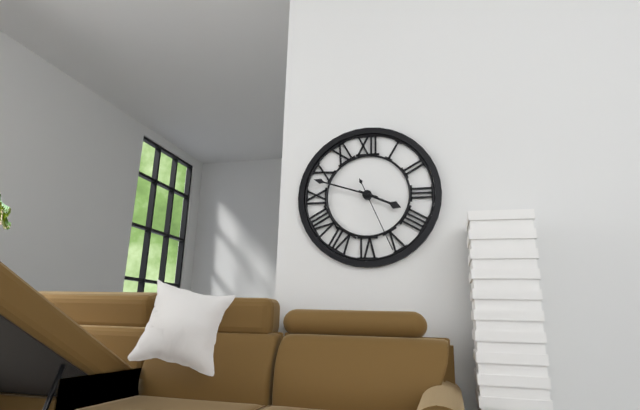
{"hour": 3, "minute": 48, "second": 26}
